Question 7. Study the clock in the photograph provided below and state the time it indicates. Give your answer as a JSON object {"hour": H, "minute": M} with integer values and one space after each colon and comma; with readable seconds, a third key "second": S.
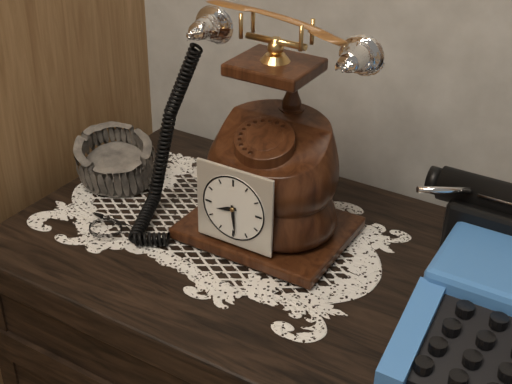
{"hour": 8, "minute": 29}
